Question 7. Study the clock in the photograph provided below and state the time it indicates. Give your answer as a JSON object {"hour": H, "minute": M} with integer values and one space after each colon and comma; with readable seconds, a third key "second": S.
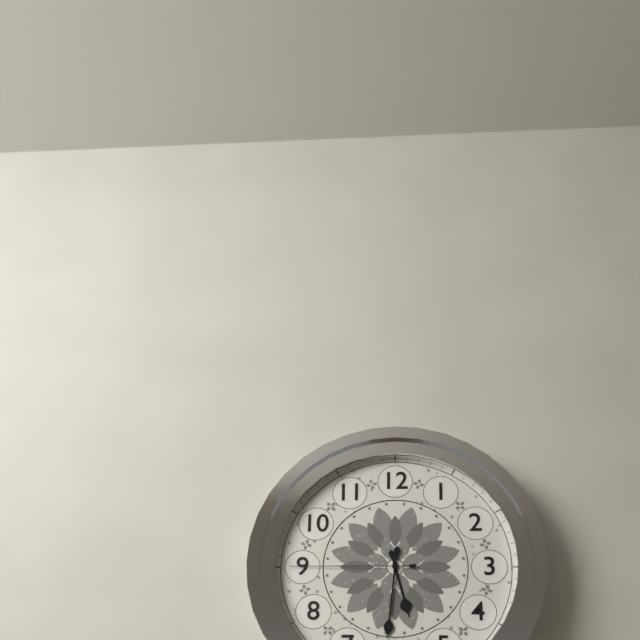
{"hour": 5, "minute": 31, "second": 45}
